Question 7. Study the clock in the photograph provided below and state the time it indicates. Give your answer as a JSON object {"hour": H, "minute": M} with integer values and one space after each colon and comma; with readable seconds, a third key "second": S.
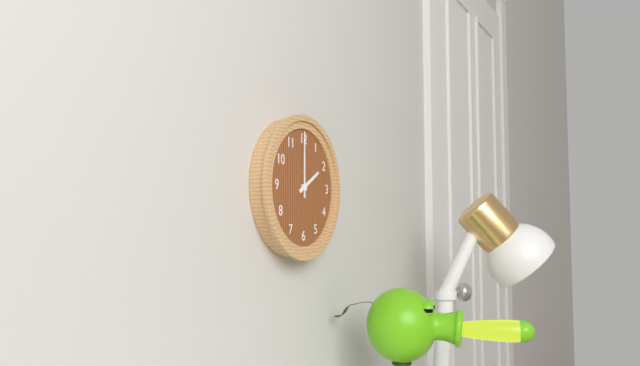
{"hour": 2, "minute": 0}
